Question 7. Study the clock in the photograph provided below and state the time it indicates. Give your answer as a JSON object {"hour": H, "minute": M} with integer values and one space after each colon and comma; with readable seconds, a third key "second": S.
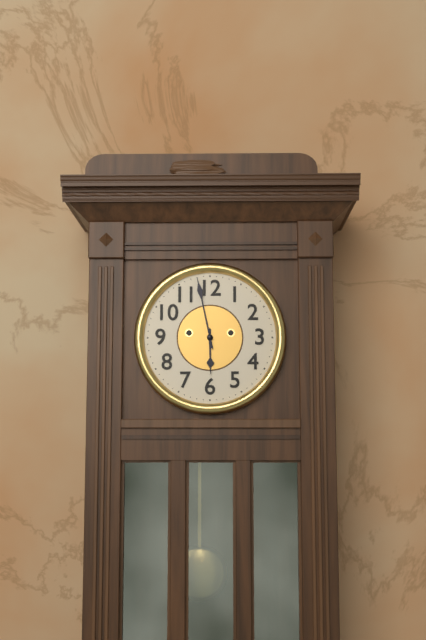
{"hour": 5, "minute": 58}
